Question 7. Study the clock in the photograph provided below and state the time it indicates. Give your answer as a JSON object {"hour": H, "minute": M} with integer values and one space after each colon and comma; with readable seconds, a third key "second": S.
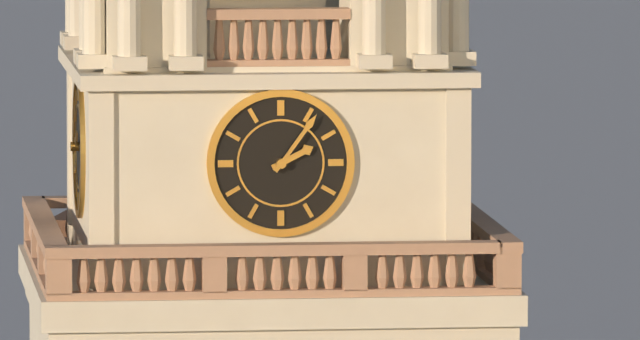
{"hour": 2, "minute": 6}
